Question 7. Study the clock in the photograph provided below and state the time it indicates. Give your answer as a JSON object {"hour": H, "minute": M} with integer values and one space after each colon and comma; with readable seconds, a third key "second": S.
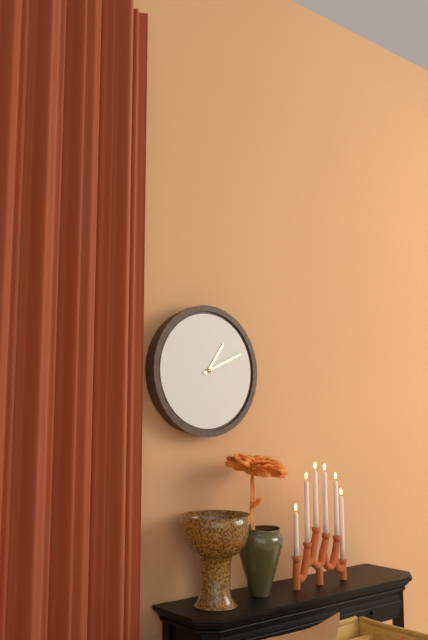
{"hour": 1, "minute": 11}
